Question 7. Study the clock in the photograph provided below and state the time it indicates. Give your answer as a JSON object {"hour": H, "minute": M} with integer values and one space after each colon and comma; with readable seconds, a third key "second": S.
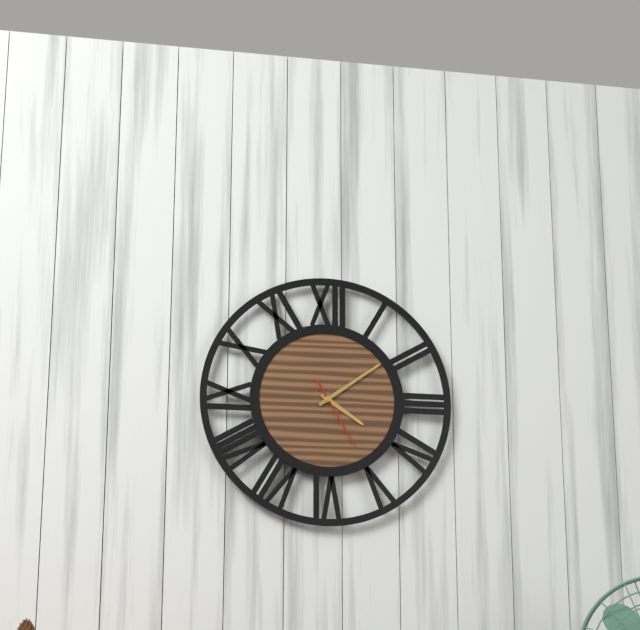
{"hour": 4, "minute": 9, "second": 25}
